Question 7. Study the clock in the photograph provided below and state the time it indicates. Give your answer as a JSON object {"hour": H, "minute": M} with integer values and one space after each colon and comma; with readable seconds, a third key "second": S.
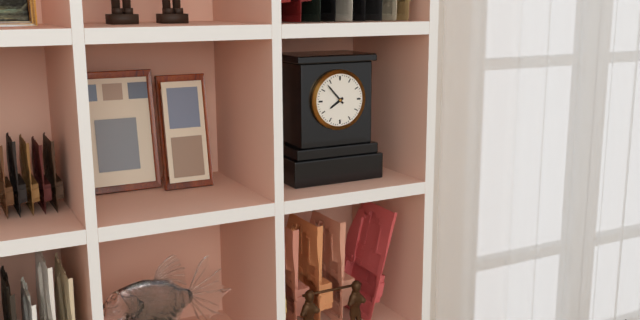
{"hour": 7, "minute": 53}
